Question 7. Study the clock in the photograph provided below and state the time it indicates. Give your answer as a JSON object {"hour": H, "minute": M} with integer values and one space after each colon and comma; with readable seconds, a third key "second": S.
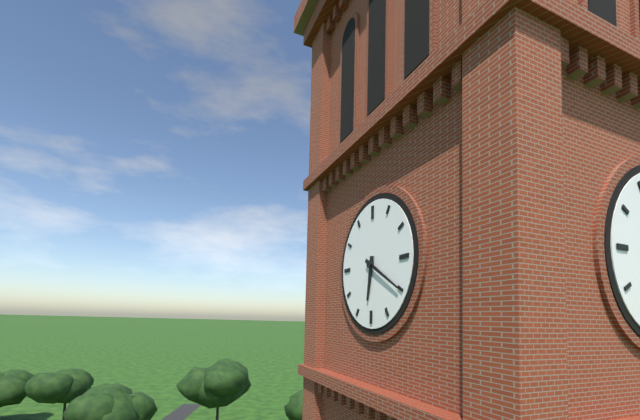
{"hour": 6, "minute": 20}
